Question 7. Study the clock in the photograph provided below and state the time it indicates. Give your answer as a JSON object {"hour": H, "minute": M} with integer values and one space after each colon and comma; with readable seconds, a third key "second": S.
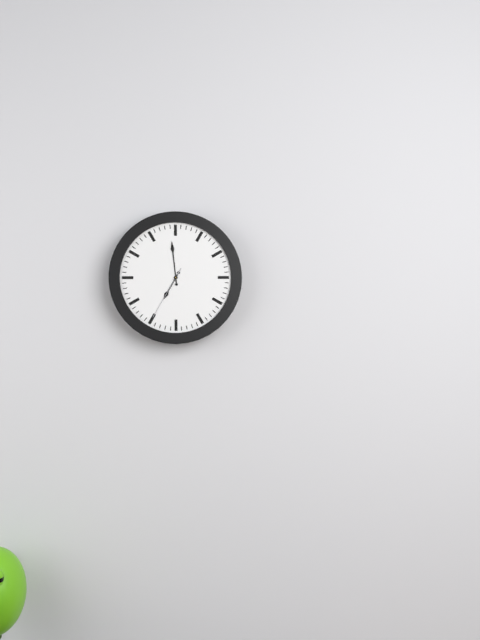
{"hour": 6, "minute": 59, "second": 35}
